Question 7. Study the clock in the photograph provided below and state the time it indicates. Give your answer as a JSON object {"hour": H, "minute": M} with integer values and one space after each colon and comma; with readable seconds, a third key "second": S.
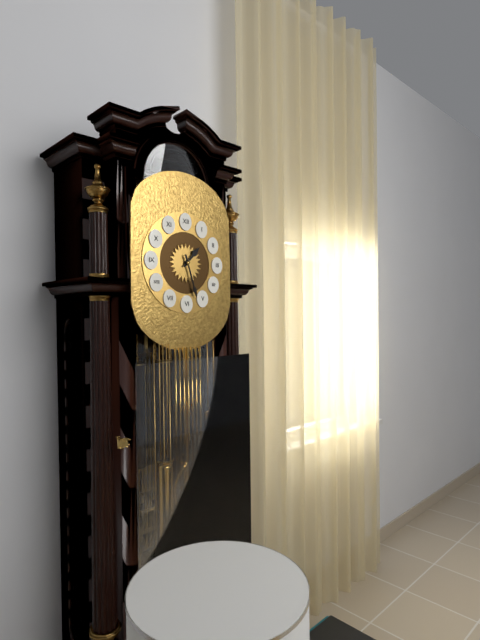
{"hour": 1, "minute": 27}
